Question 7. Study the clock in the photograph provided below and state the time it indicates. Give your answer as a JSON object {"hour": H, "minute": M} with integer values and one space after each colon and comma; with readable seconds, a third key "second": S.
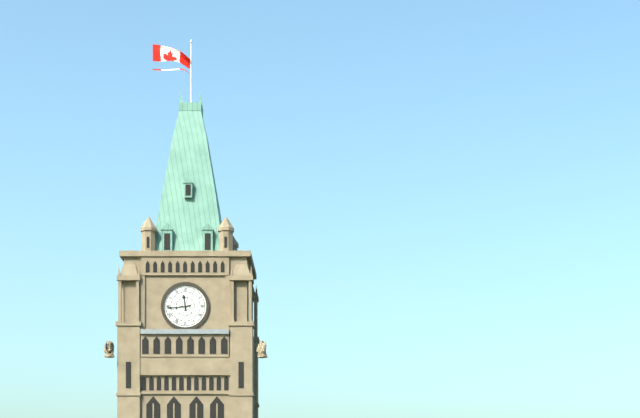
{"hour": 11, "minute": 44}
